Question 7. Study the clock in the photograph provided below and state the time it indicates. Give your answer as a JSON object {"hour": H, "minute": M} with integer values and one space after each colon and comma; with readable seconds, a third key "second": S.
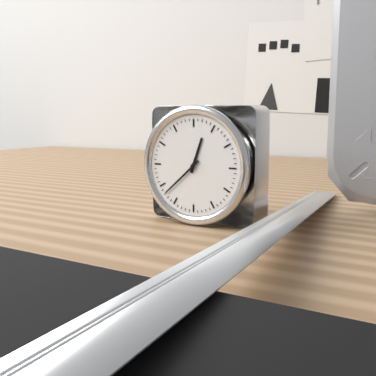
{"hour": 12, "minute": 38}
